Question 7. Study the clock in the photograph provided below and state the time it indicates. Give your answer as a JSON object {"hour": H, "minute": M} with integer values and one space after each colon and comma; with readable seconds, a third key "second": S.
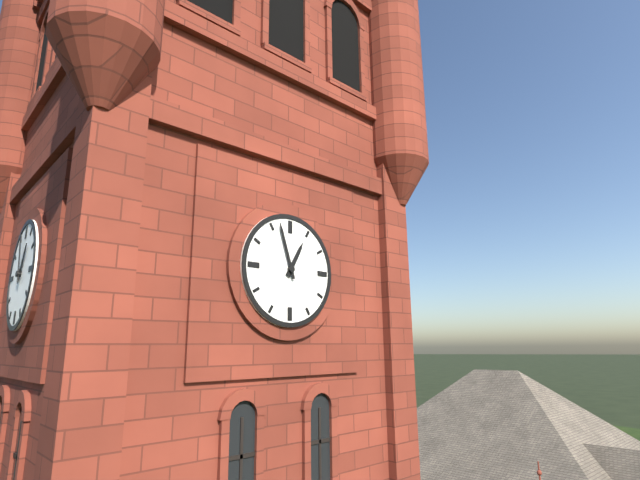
{"hour": 12, "minute": 57}
